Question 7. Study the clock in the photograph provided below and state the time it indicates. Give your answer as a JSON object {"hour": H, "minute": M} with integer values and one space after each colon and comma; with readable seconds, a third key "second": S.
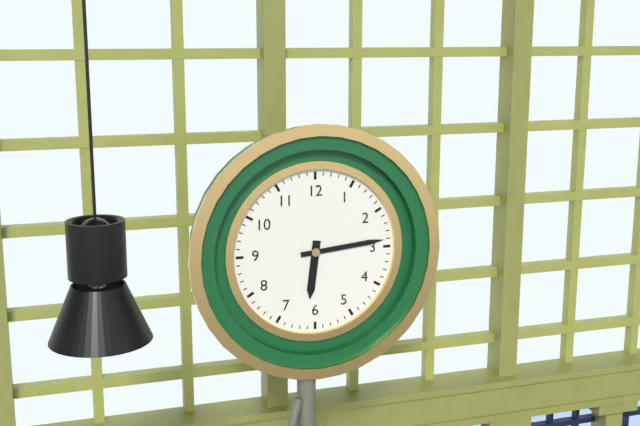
{"hour": 6, "minute": 14}
